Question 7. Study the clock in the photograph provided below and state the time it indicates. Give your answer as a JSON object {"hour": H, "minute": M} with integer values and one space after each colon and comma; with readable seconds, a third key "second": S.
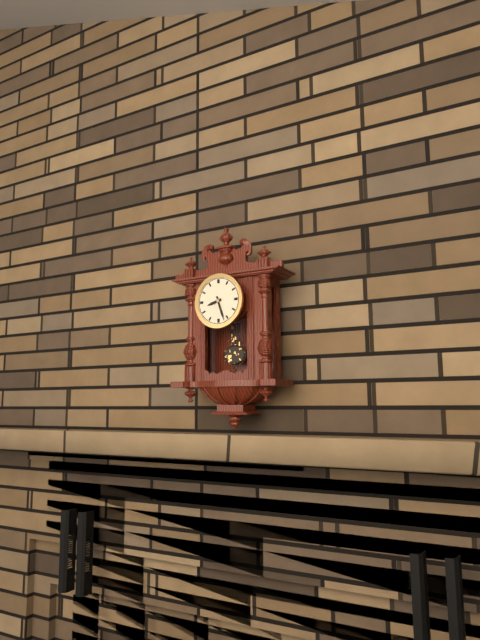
{"hour": 8, "minute": 27}
